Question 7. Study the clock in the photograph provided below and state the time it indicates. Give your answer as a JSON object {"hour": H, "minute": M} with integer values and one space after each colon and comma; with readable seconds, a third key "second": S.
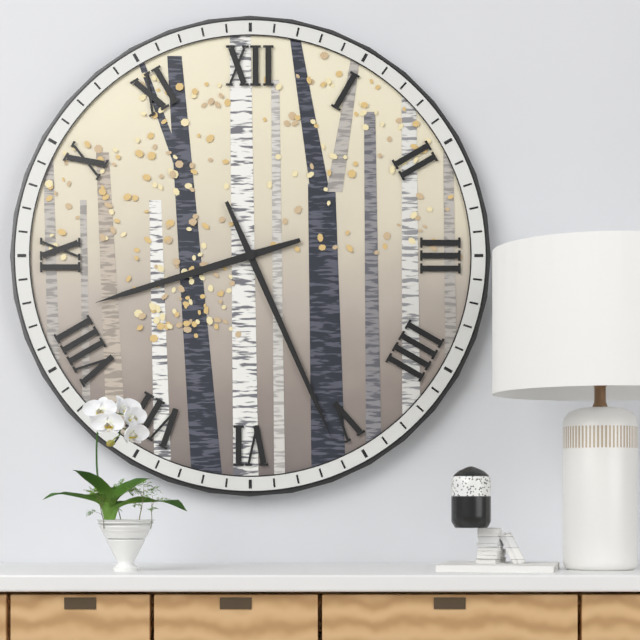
{"hour": 8, "minute": 26}
